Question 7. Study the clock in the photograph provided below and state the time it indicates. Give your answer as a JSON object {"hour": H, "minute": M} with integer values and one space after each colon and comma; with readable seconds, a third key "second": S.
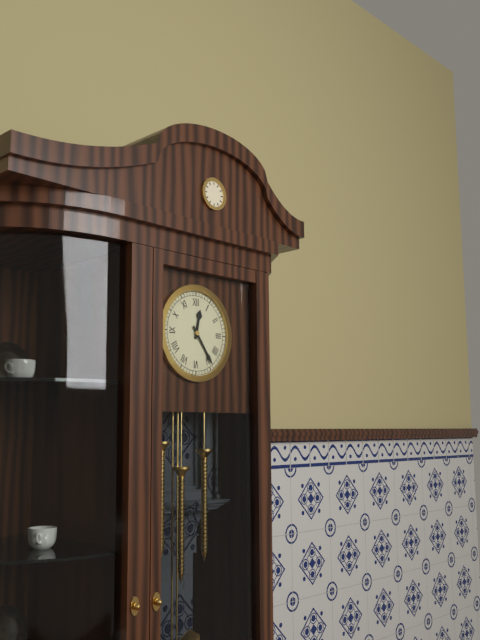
{"hour": 12, "minute": 24}
